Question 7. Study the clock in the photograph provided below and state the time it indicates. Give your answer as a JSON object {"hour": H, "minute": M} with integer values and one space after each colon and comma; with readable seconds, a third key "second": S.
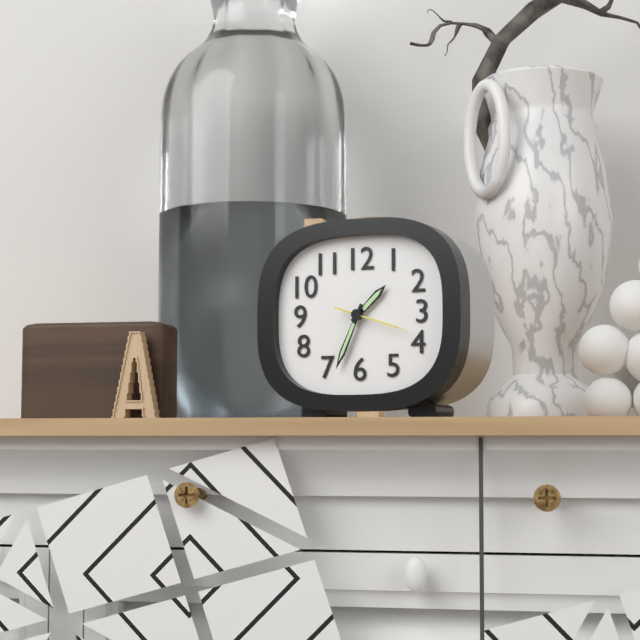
{"hour": 1, "minute": 34, "second": 18}
